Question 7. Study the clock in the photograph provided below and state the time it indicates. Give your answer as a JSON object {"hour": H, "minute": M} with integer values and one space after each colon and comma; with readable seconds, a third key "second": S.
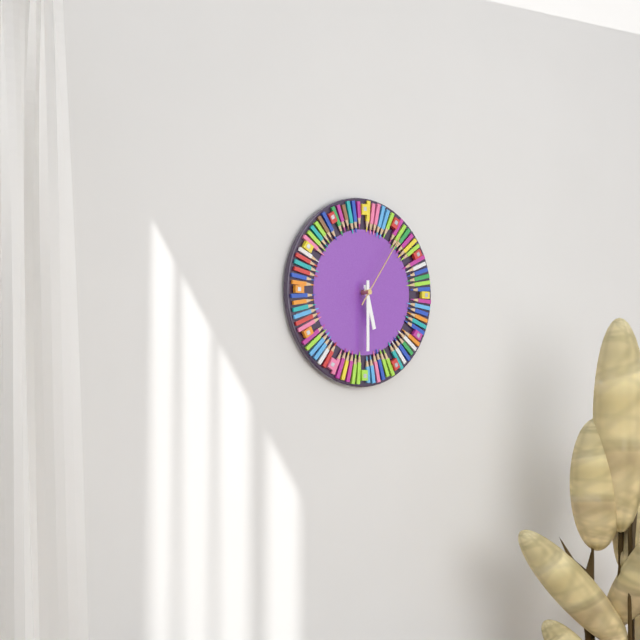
{"hour": 5, "minute": 30, "second": 6}
